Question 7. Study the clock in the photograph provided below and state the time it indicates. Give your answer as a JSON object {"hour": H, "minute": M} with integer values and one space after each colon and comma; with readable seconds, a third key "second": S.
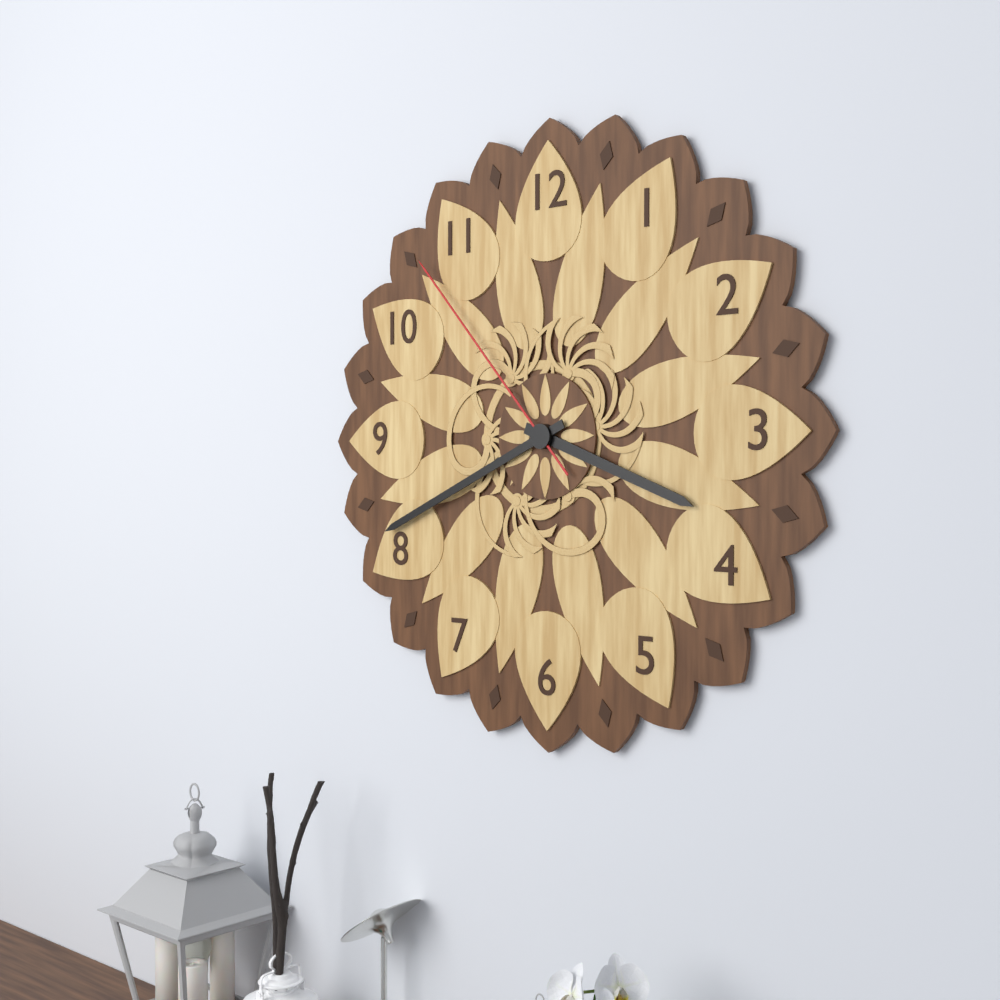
{"hour": 3, "minute": 41, "second": 53}
